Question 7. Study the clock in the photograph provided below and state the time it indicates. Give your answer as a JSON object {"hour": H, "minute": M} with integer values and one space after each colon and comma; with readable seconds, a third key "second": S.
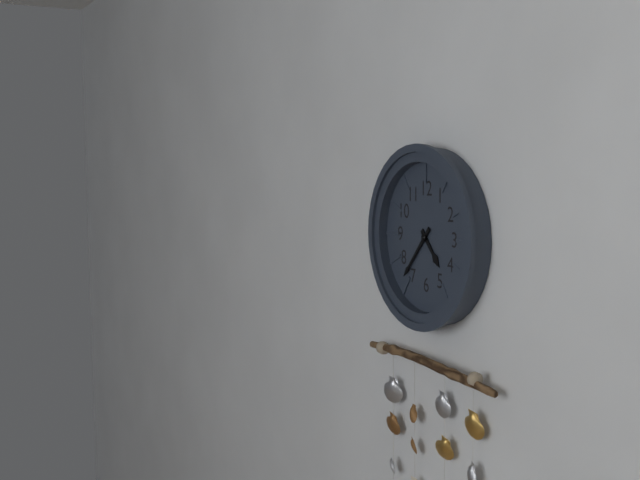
{"hour": 4, "minute": 37}
